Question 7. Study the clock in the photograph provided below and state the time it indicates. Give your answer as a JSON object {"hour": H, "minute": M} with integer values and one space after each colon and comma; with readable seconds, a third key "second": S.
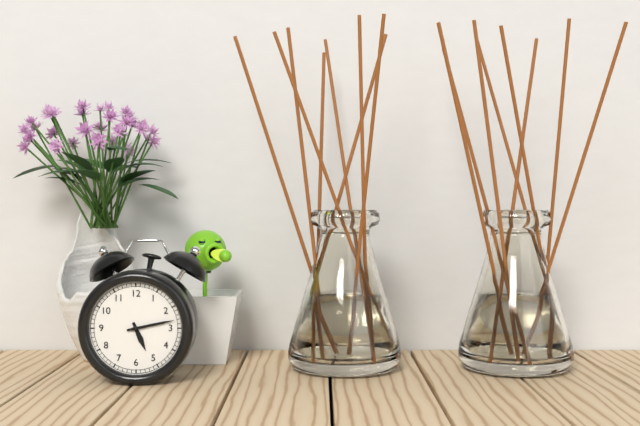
{"hour": 5, "minute": 13}
